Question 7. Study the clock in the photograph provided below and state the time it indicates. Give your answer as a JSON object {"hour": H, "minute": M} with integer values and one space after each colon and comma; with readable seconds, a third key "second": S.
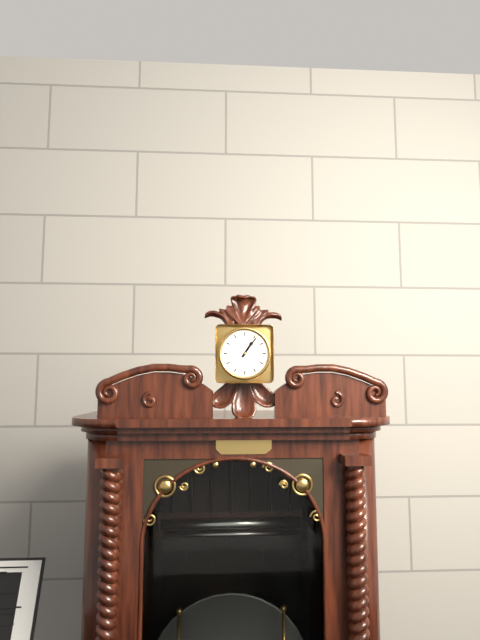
{"hour": 1, "minute": 6}
